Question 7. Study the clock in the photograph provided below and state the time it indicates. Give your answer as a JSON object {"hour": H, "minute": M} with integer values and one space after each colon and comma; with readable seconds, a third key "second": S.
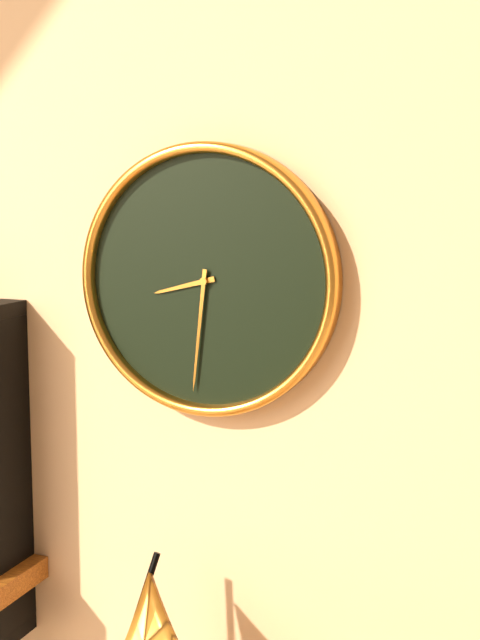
{"hour": 8, "minute": 31}
